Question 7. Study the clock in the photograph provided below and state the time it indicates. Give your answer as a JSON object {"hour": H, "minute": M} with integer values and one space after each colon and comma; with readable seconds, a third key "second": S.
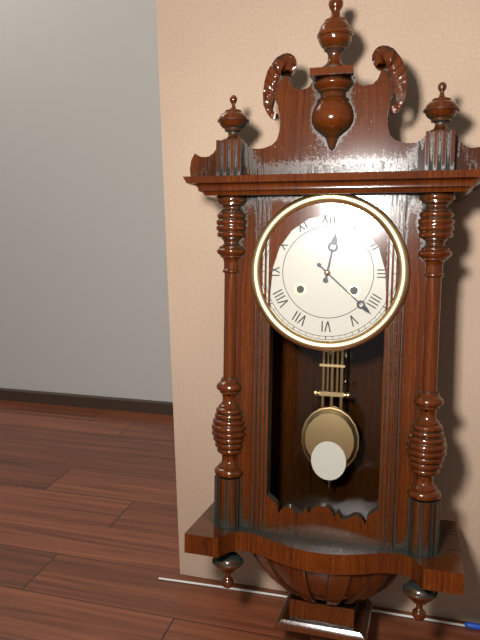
{"hour": 12, "minute": 22}
